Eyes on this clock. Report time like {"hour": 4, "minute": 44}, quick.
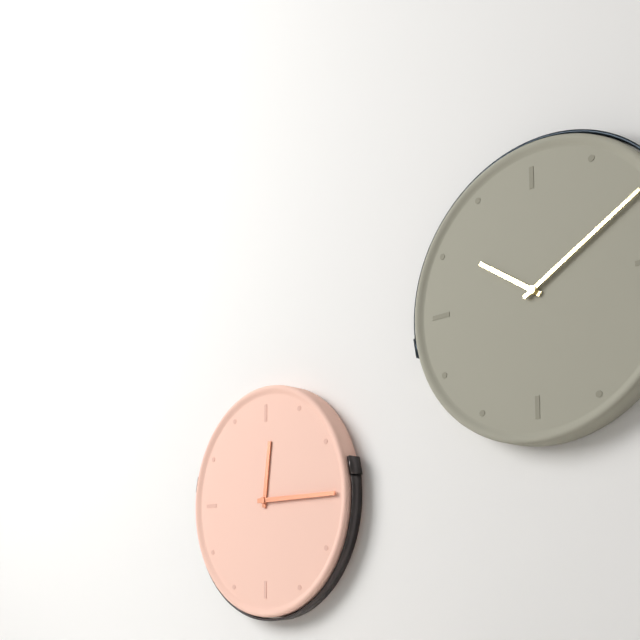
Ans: {"hour": 12, "minute": 15}
